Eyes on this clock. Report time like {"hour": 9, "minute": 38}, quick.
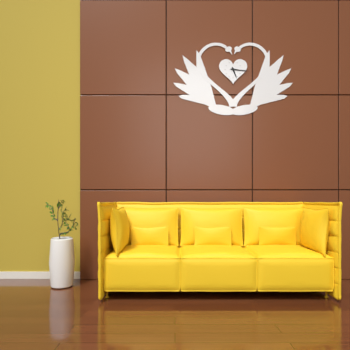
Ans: {"hour": 5, "minute": 16}
